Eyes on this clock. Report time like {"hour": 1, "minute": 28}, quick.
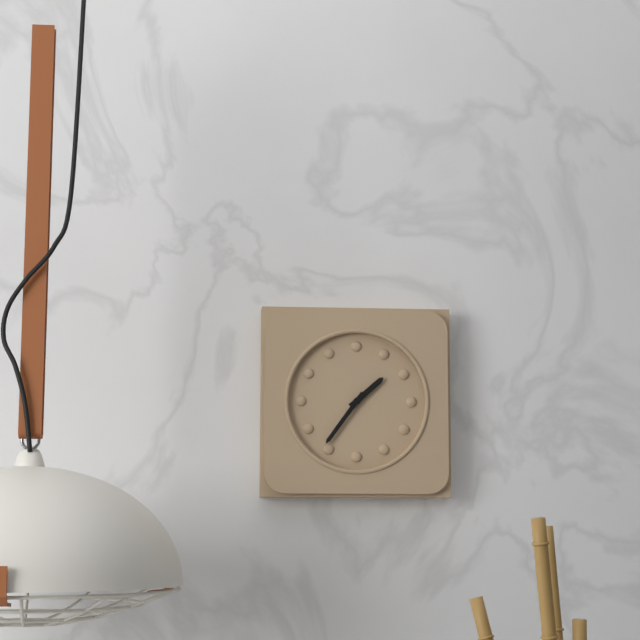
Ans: {"hour": 1, "minute": 36}
